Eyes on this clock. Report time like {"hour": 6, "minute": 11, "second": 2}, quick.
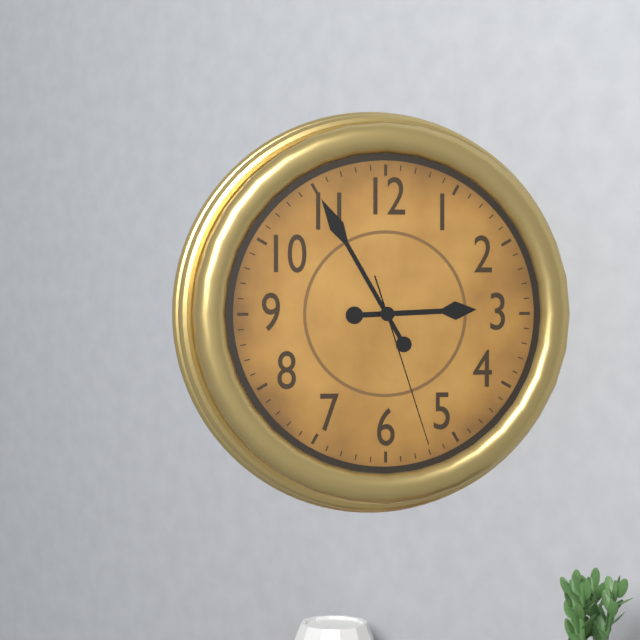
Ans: {"hour": 2, "minute": 55, "second": 27}
